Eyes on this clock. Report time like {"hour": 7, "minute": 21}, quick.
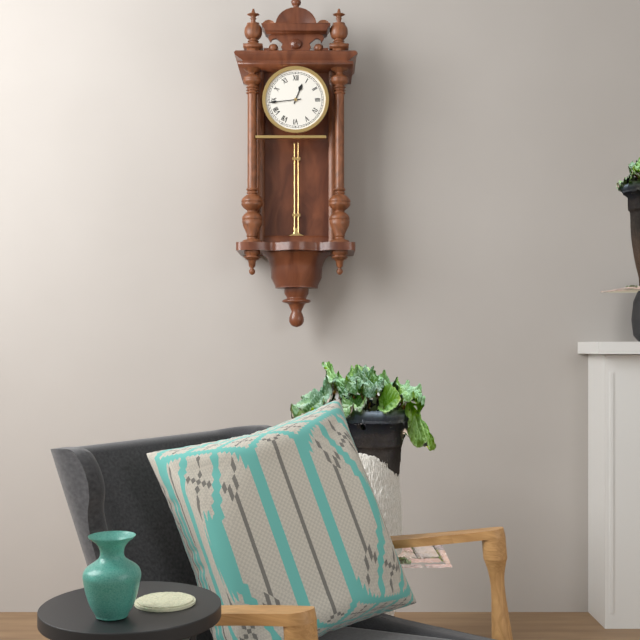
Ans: {"hour": 12, "minute": 44}
